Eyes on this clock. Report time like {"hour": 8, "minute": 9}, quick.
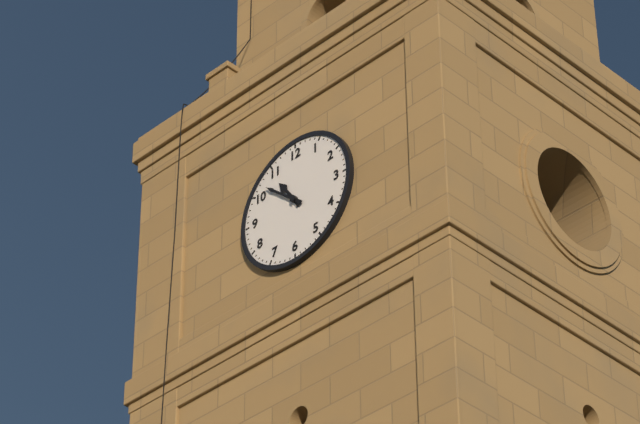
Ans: {"hour": 10, "minute": 52}
